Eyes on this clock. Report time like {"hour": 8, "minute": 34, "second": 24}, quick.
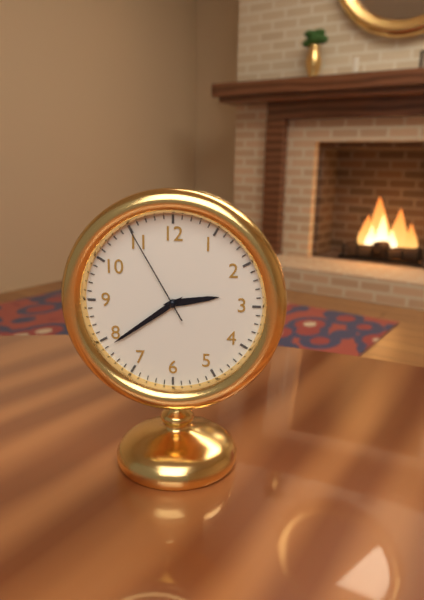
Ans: {"hour": 2, "minute": 39, "second": 55}
